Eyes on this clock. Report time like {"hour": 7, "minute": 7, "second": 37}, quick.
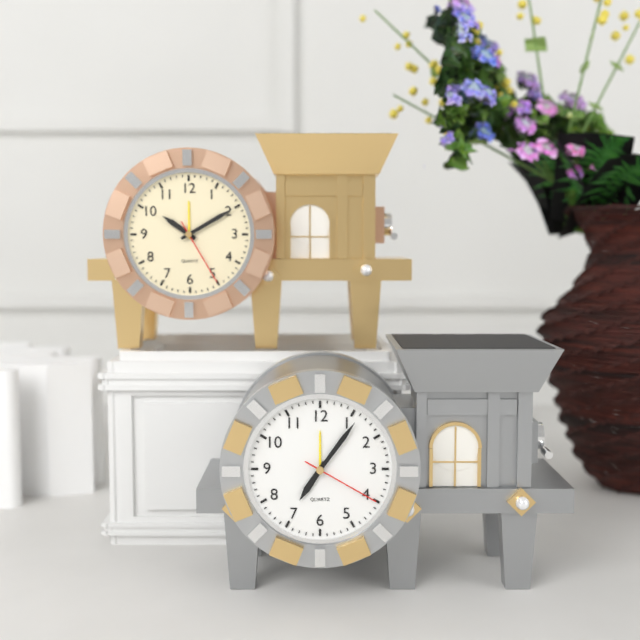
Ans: {"hour": 7, "minute": 6, "second": 20}
